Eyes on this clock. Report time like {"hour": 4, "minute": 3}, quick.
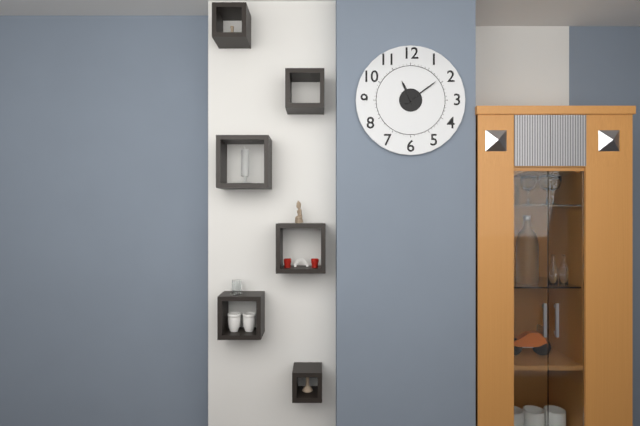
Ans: {"hour": 11, "minute": 9}
